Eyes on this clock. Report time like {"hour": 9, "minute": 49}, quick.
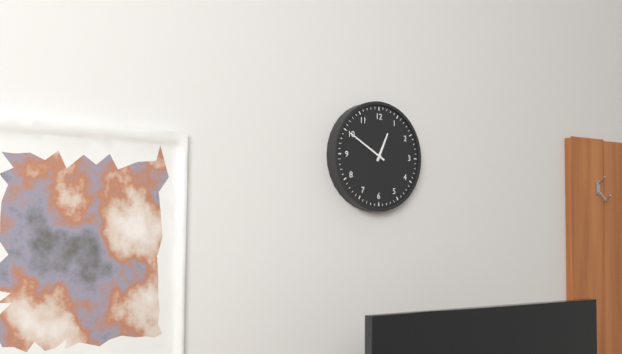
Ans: {"hour": 12, "minute": 50}
